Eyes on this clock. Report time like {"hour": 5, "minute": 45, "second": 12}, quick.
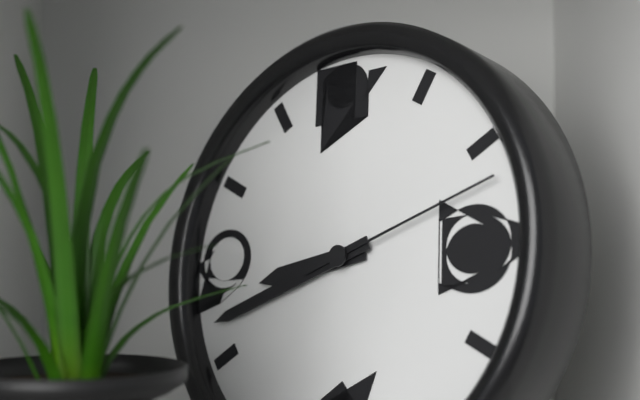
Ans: {"hour": 8, "minute": 42, "second": 12}
